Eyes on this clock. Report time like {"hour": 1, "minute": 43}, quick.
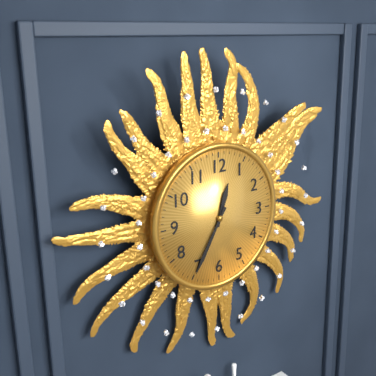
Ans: {"hour": 12, "minute": 35}
